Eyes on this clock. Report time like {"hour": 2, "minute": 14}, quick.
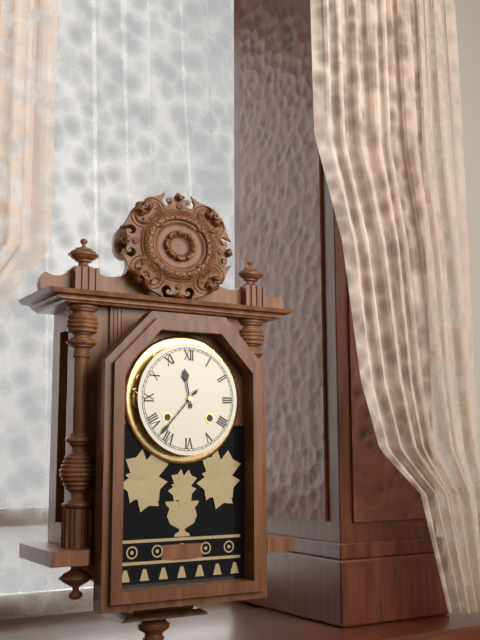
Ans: {"hour": 11, "minute": 37}
